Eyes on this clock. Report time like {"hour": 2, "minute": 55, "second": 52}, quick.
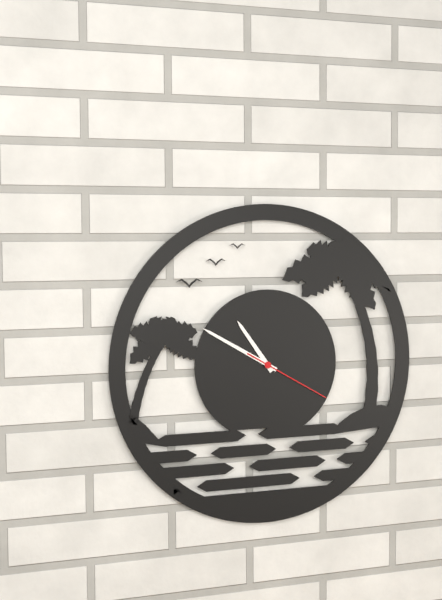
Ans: {"hour": 10, "minute": 50, "second": 20}
